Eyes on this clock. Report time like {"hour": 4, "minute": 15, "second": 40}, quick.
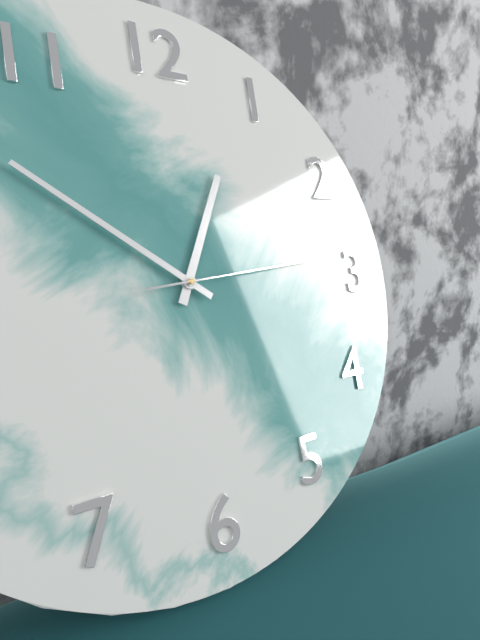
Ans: {"hour": 12, "minute": 51, "second": 14}
